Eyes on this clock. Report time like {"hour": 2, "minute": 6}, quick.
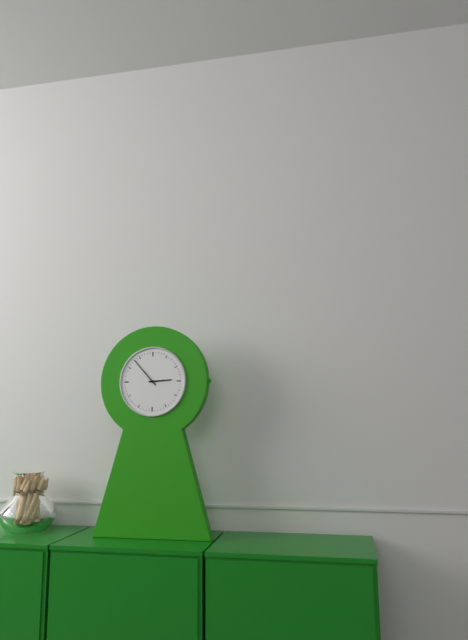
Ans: {"hour": 2, "minute": 53}
